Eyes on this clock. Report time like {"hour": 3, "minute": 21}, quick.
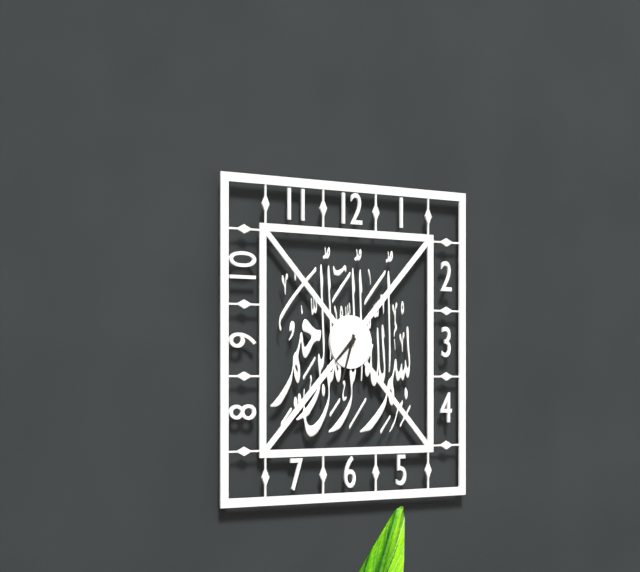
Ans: {"hour": 7, "minute": 33}
